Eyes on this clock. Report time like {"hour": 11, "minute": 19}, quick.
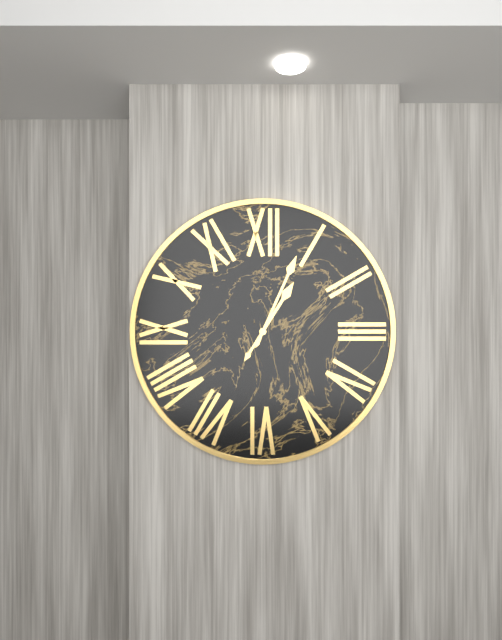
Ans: {"hour": 1, "minute": 4}
